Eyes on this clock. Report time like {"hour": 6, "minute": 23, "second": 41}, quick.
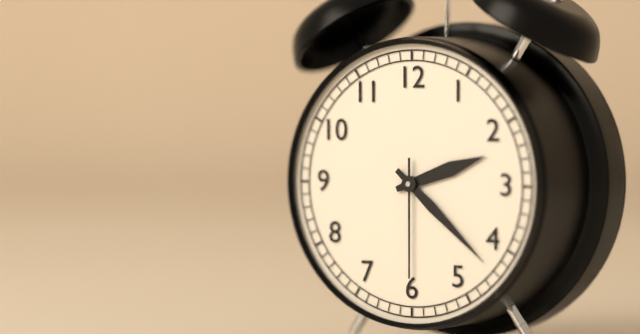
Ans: {"hour": 2, "minute": 22, "second": 30}
